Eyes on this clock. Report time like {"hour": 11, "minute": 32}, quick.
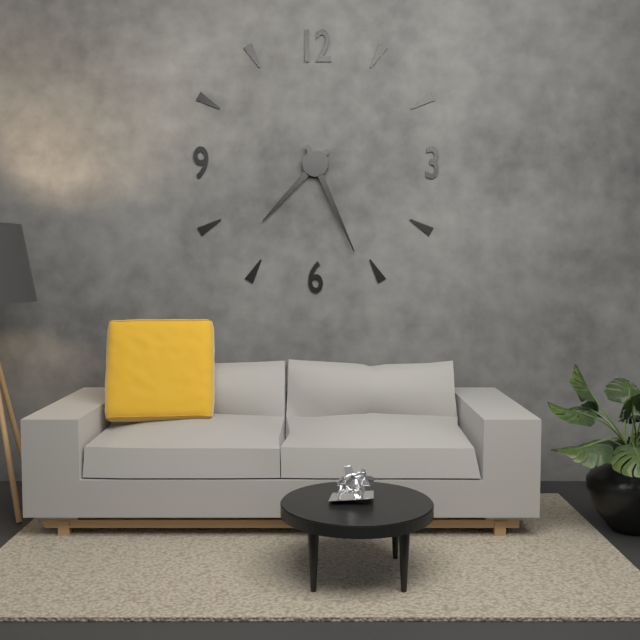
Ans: {"hour": 7, "minute": 26}
